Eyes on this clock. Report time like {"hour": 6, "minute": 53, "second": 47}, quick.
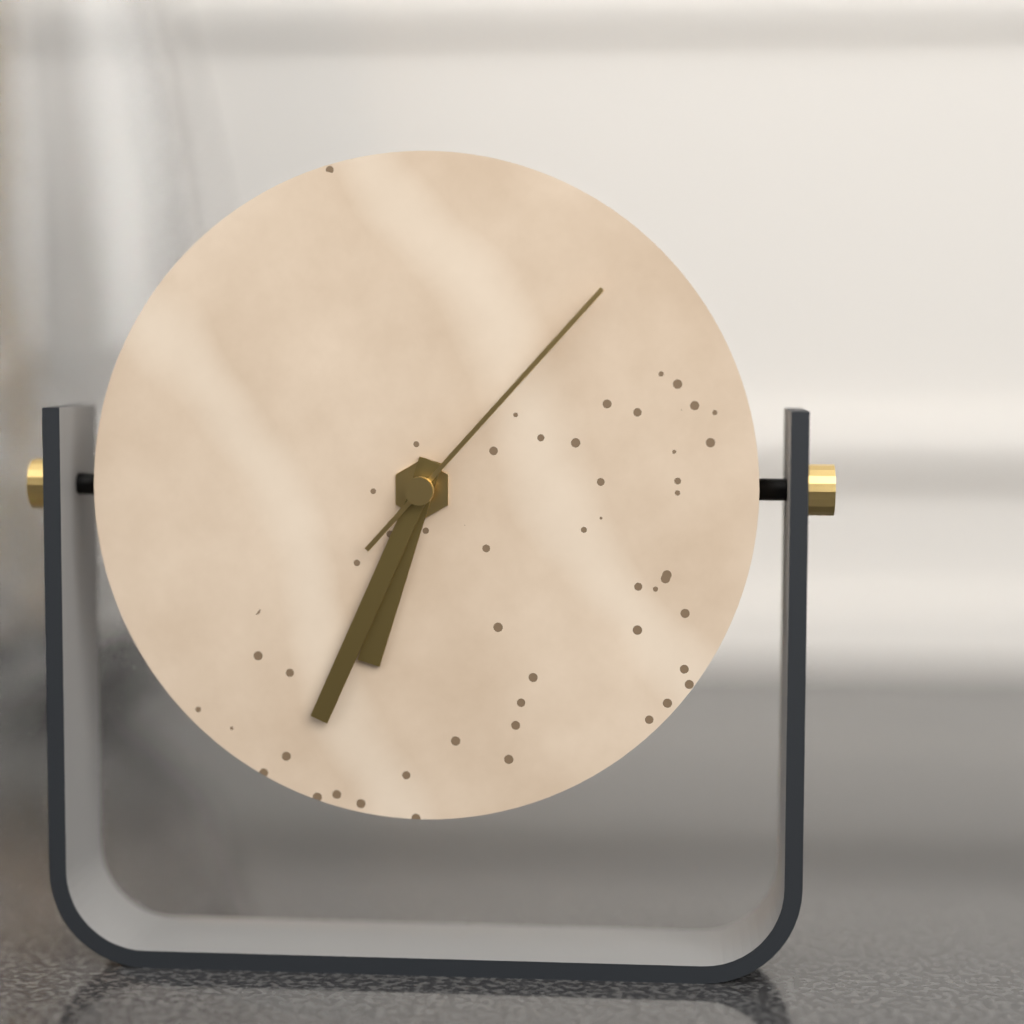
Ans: {"hour": 6, "minute": 34, "second": 7}
